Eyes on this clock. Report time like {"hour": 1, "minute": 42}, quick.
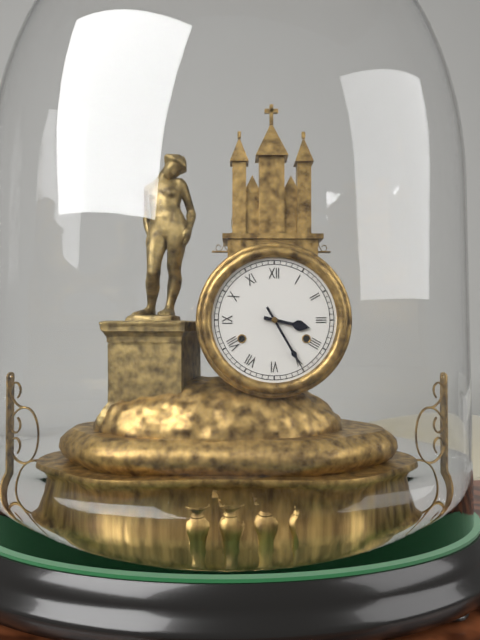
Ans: {"hour": 3, "minute": 25}
